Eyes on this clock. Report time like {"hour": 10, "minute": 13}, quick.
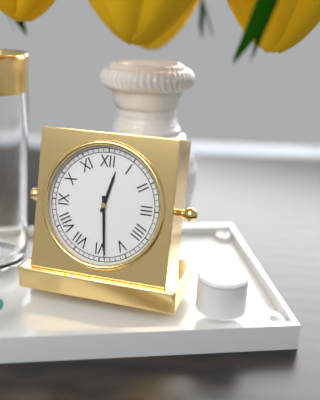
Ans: {"hour": 12, "minute": 29}
